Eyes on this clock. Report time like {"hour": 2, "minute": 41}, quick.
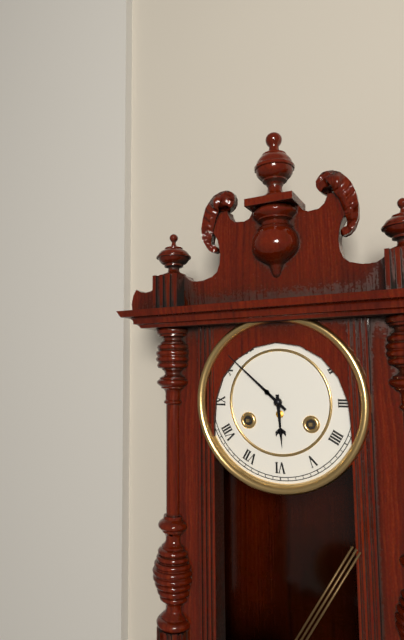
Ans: {"hour": 5, "minute": 52}
